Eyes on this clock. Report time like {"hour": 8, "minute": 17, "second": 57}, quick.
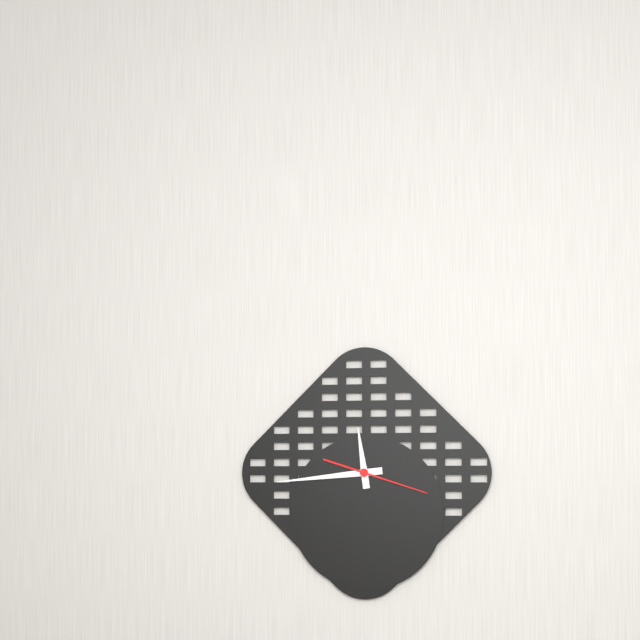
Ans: {"hour": 11, "minute": 44, "second": 18}
